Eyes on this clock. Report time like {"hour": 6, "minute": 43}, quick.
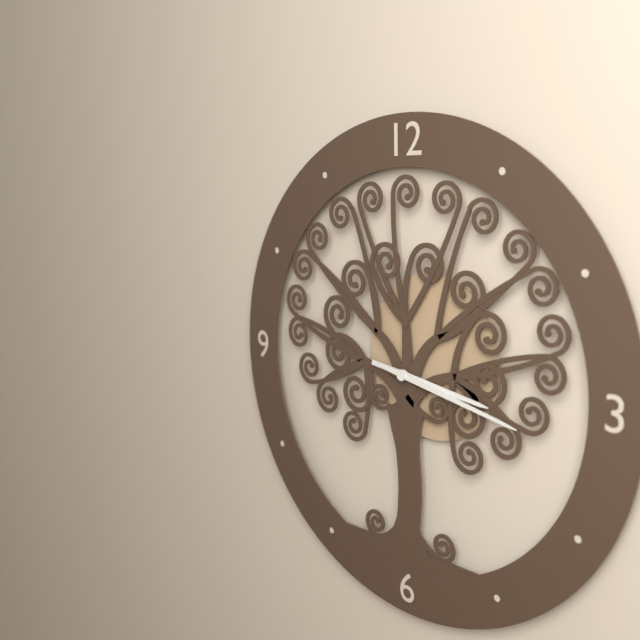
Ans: {"hour": 3, "minute": 17}
